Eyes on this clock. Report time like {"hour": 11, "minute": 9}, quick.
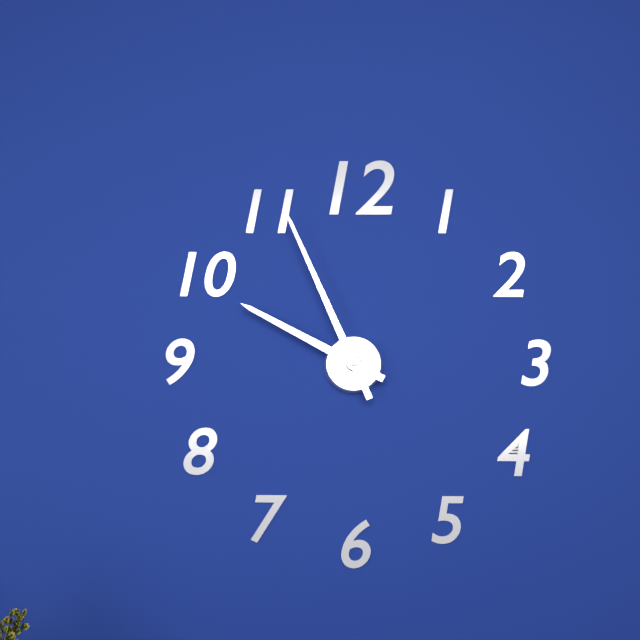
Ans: {"hour": 9, "minute": 56}
